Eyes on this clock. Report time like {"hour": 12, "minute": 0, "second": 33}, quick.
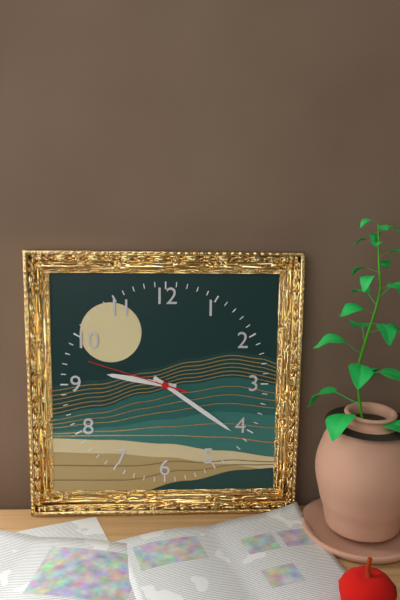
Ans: {"hour": 9, "minute": 21, "second": 48}
